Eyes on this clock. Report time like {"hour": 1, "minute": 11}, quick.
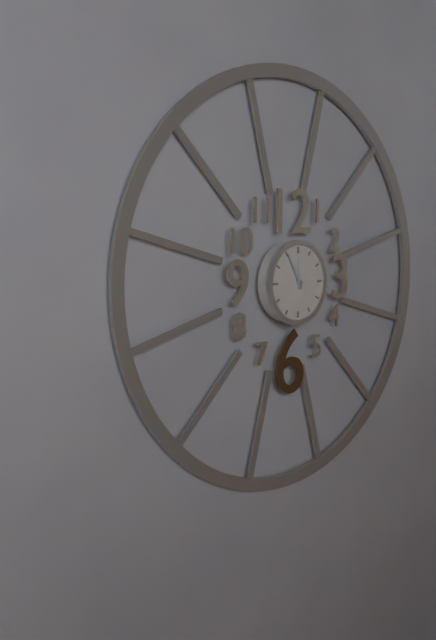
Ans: {"hour": 11, "minute": 55}
